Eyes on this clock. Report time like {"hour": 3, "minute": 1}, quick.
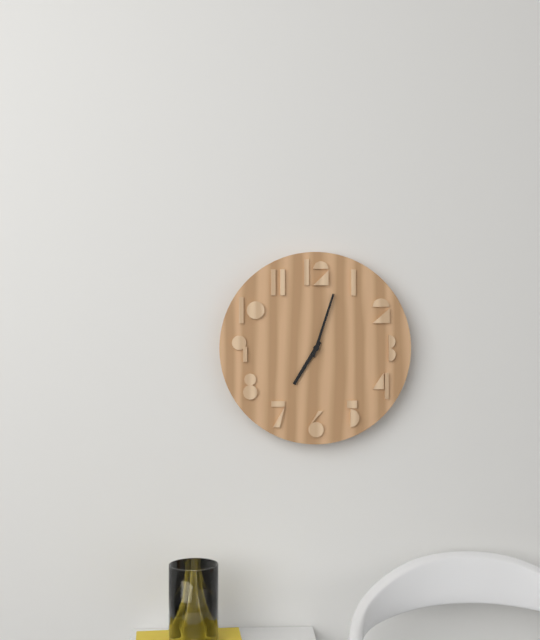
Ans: {"hour": 7, "minute": 3}
